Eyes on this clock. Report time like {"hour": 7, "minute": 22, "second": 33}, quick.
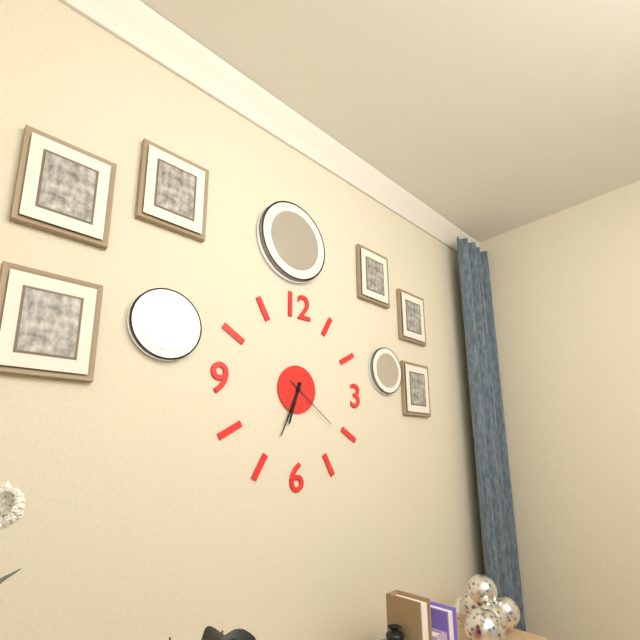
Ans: {"hour": 6, "minute": 34, "second": 21}
